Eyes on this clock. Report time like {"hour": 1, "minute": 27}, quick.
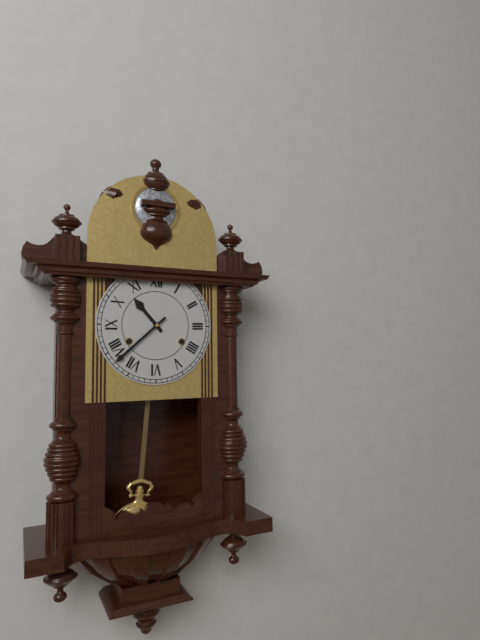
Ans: {"hour": 10, "minute": 38}
